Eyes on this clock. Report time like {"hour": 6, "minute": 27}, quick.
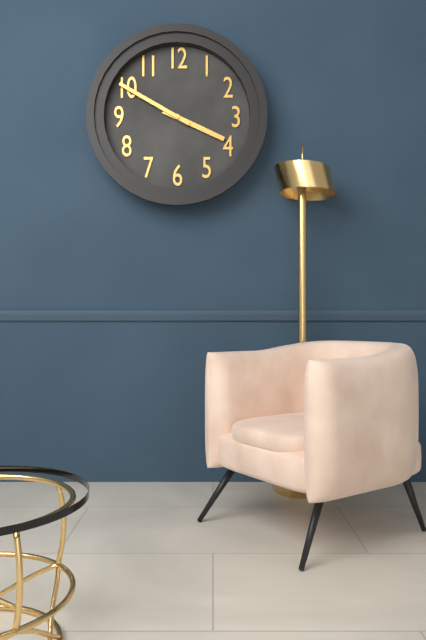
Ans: {"hour": 3, "minute": 50}
